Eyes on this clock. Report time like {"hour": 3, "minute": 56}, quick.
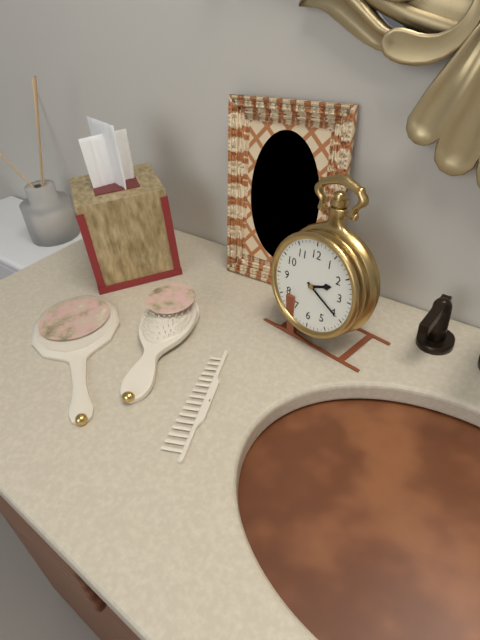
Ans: {"hour": 2, "minute": 20}
